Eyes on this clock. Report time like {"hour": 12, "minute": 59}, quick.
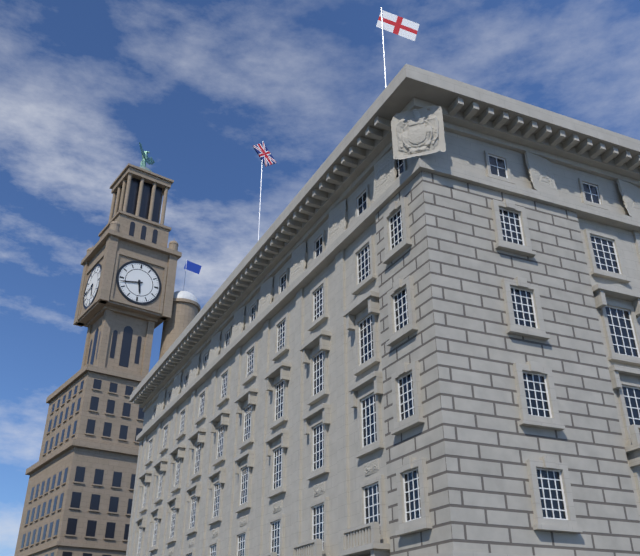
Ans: {"hour": 5, "minute": 43}
